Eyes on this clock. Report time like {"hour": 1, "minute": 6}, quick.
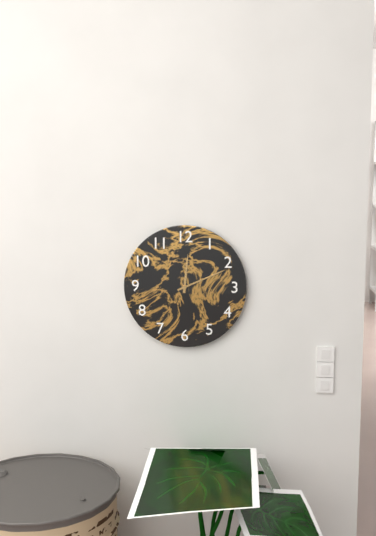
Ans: {"hour": 12, "minute": 11}
